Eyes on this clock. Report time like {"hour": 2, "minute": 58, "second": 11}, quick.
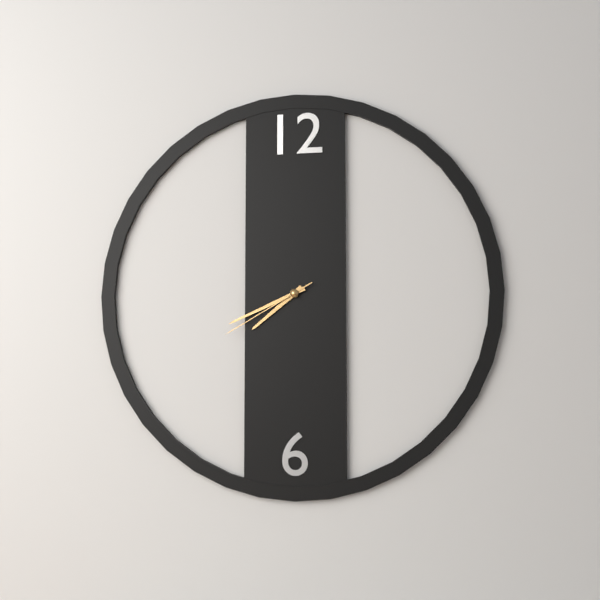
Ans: {"hour": 7, "minute": 41, "second": 40}
